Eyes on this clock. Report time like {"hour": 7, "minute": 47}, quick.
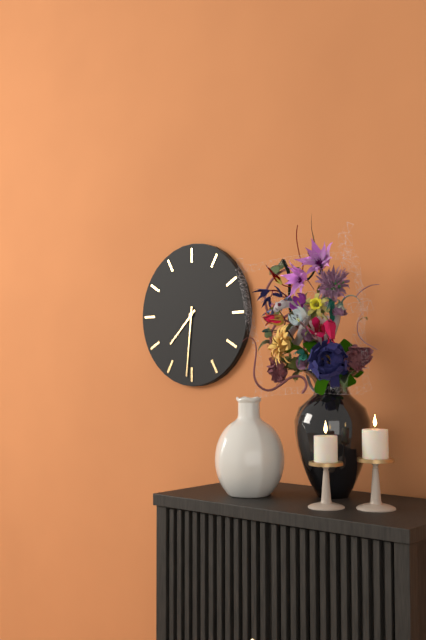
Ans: {"hour": 7, "minute": 31}
